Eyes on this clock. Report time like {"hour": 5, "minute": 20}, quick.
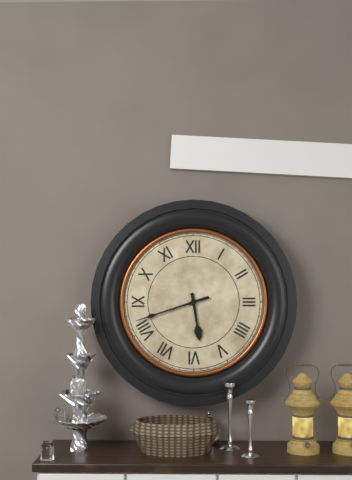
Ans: {"hour": 5, "minute": 42}
